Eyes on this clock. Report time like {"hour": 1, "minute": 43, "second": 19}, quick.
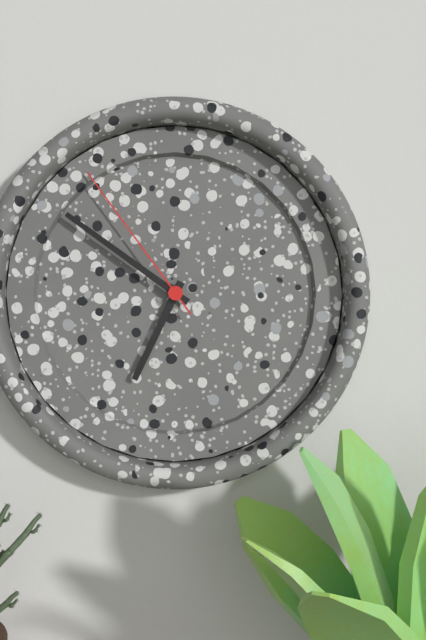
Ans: {"hour": 6, "minute": 51, "second": 54}
